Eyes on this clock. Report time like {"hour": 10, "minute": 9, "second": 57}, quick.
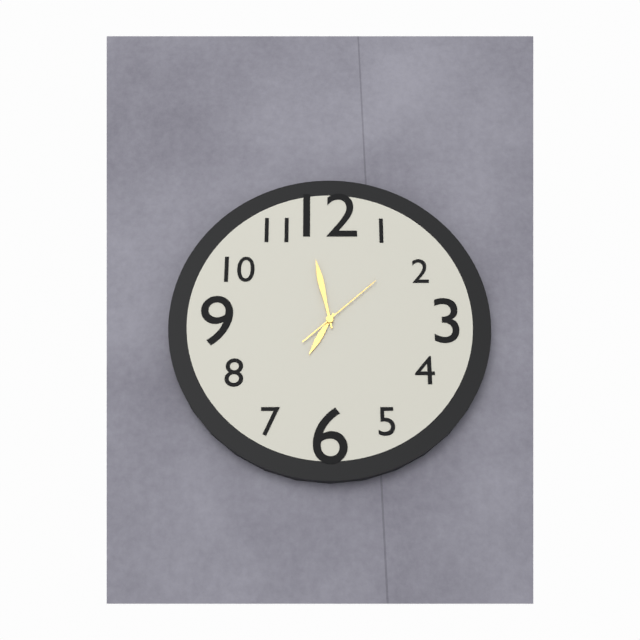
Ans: {"hour": 6, "minute": 58, "second": 8}
